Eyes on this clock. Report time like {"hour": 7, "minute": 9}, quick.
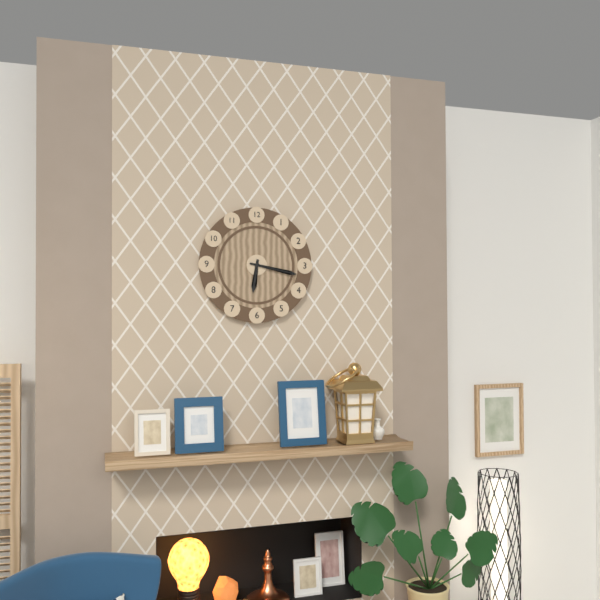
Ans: {"hour": 6, "minute": 17}
